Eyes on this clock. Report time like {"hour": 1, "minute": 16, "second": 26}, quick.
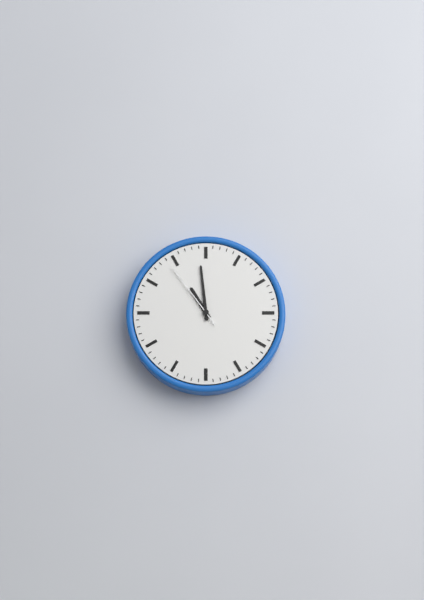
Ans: {"hour": 10, "minute": 59, "second": 54}
